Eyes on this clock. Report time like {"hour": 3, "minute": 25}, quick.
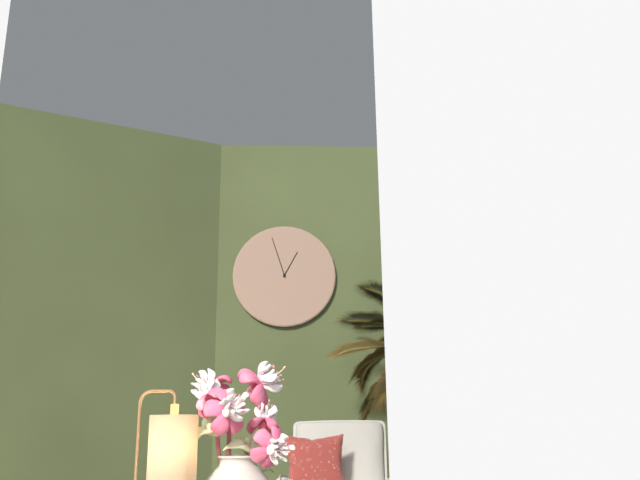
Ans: {"hour": 12, "minute": 57}
